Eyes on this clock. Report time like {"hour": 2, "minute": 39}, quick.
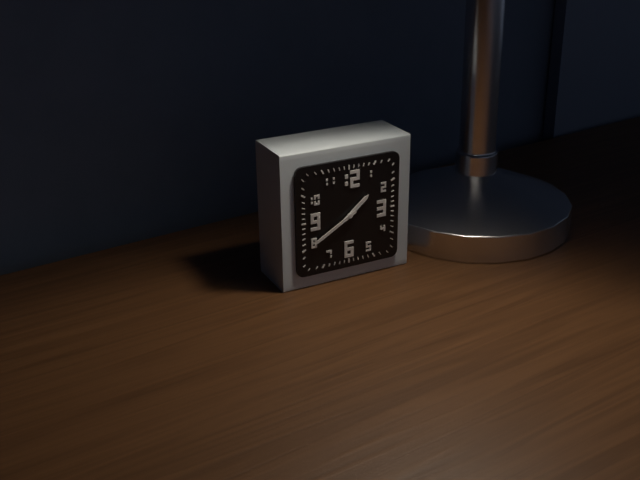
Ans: {"hour": 1, "minute": 40}
